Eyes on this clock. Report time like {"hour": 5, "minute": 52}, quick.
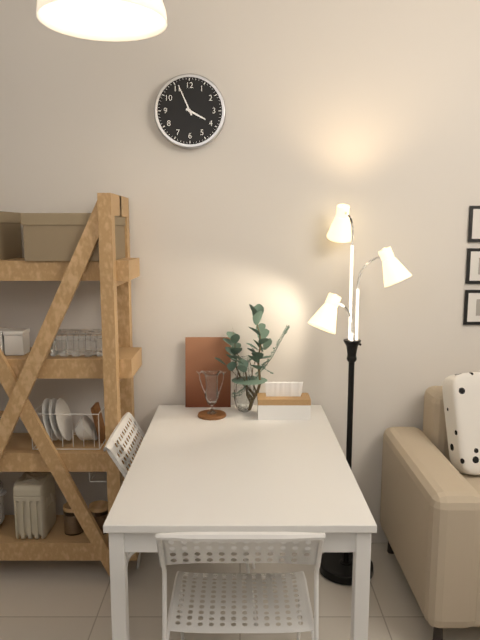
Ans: {"hour": 3, "minute": 56}
